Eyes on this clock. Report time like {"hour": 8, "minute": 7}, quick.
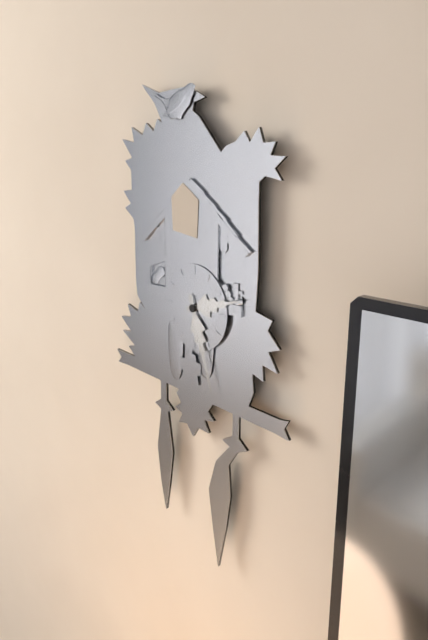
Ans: {"hour": 2, "minute": 27}
